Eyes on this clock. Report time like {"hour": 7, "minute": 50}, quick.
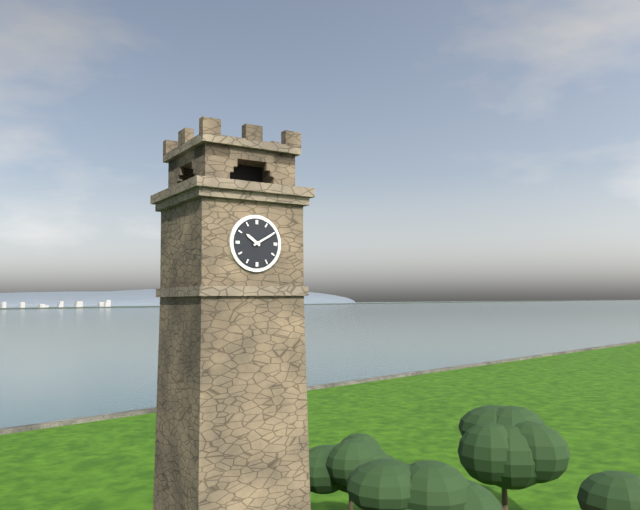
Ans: {"hour": 10, "minute": 10}
